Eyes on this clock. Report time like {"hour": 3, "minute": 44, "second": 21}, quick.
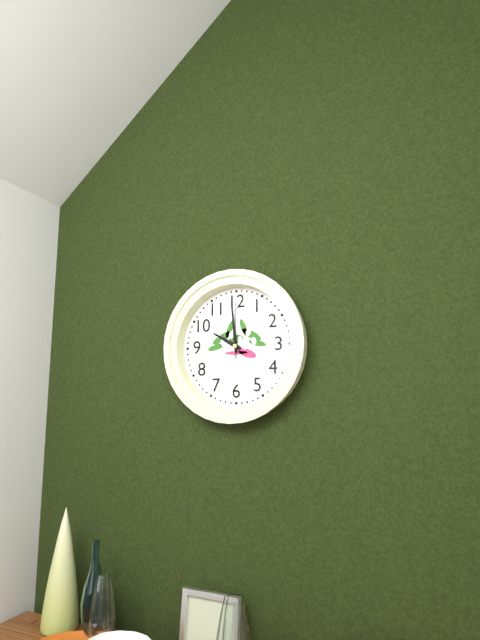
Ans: {"hour": 9, "minute": 59, "second": 0}
